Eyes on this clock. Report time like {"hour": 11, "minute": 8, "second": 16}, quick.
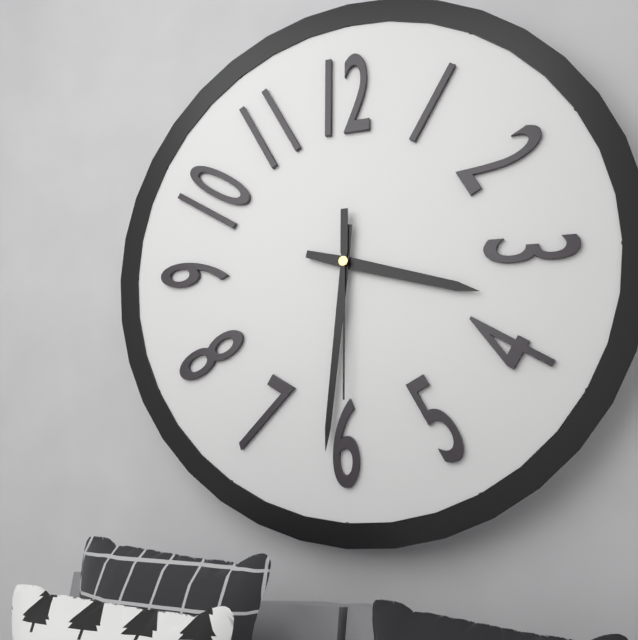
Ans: {"hour": 3, "minute": 31, "second": 30}
